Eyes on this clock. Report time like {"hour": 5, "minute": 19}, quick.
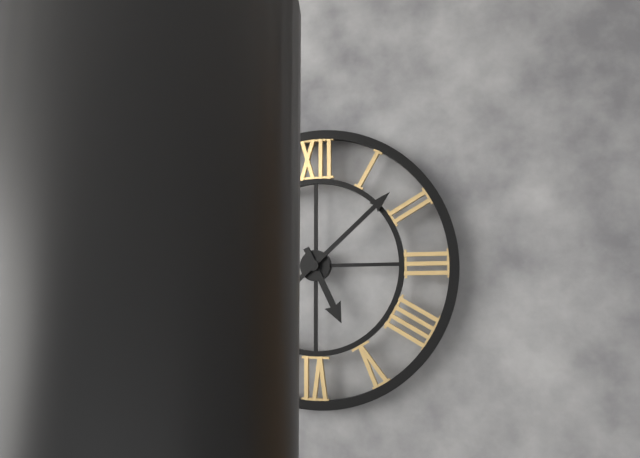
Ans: {"hour": 5, "minute": 8}
